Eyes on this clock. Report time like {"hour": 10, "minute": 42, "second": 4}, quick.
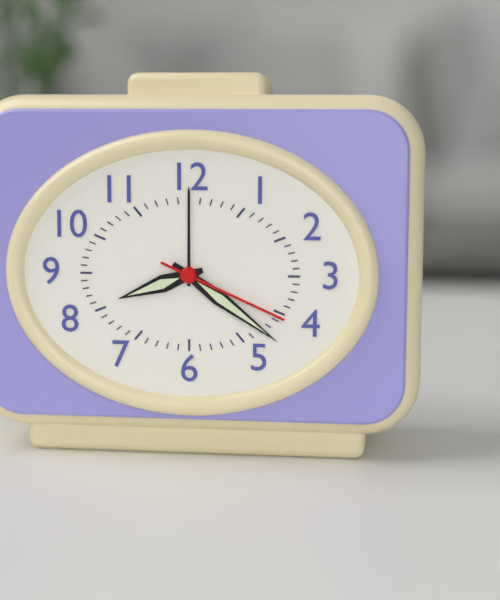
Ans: {"hour": 8, "minute": 21, "second": 19}
